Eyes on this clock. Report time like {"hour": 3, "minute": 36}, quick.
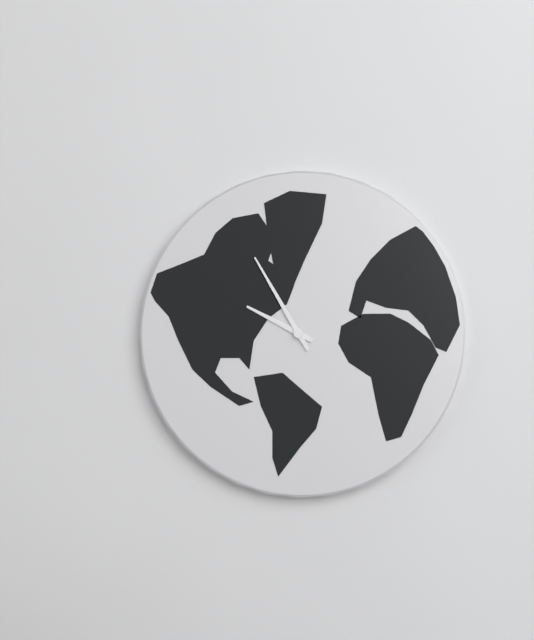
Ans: {"hour": 9, "minute": 55}
